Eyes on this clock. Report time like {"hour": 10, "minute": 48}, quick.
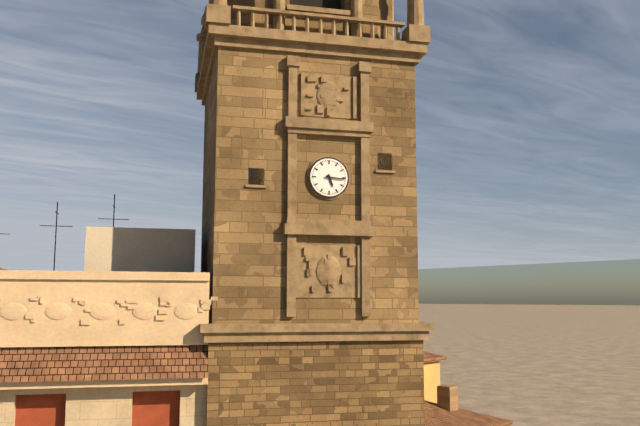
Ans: {"hour": 5, "minute": 16}
